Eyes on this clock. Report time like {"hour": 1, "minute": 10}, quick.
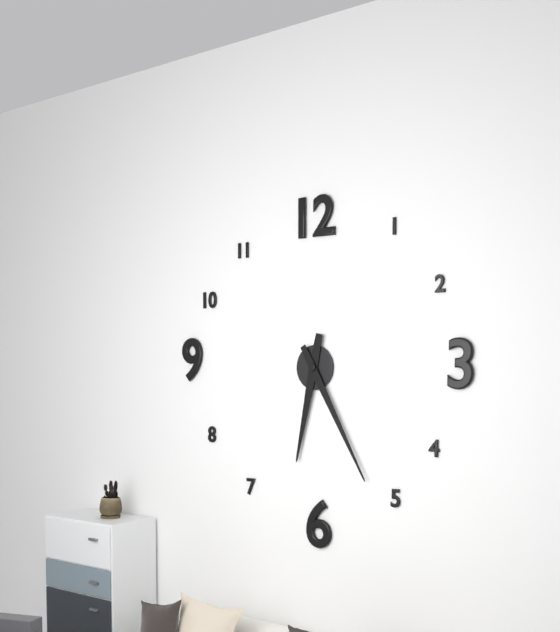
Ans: {"hour": 6, "minute": 25}
